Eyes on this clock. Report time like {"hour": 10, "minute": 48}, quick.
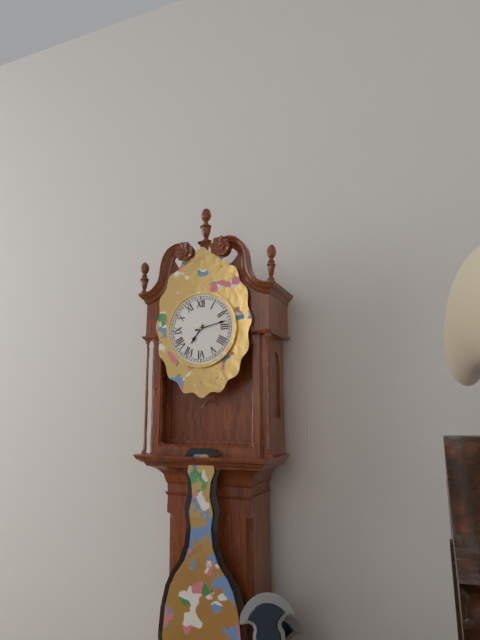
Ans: {"hour": 7, "minute": 13}
